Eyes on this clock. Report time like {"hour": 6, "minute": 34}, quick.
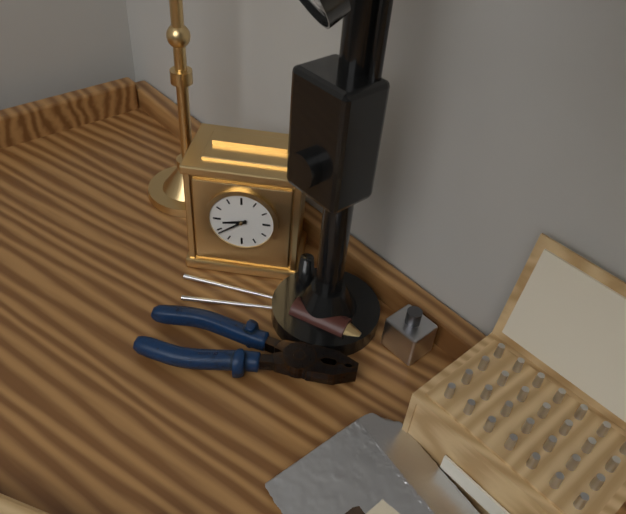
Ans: {"hour": 8, "minute": 39}
